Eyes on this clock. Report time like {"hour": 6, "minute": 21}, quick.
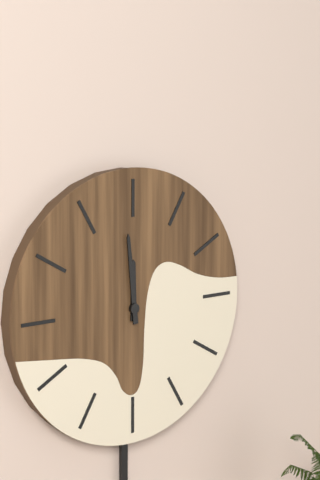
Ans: {"hour": 11, "minute": 59}
